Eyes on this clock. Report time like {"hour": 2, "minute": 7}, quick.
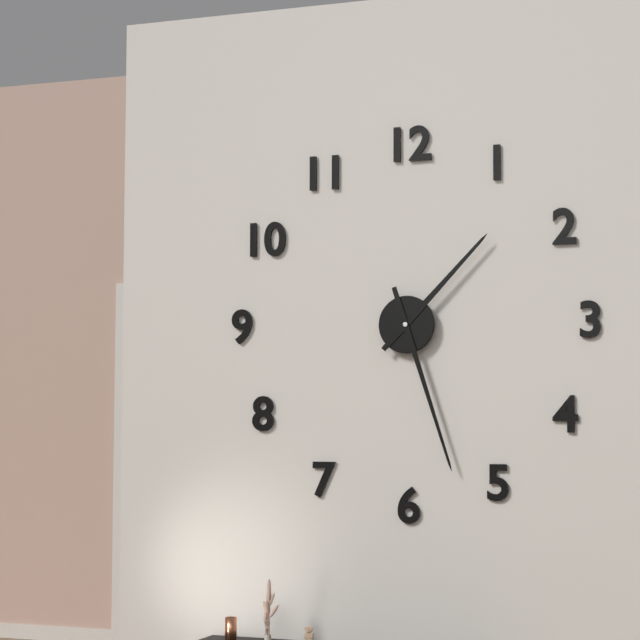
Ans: {"hour": 1, "minute": 27}
